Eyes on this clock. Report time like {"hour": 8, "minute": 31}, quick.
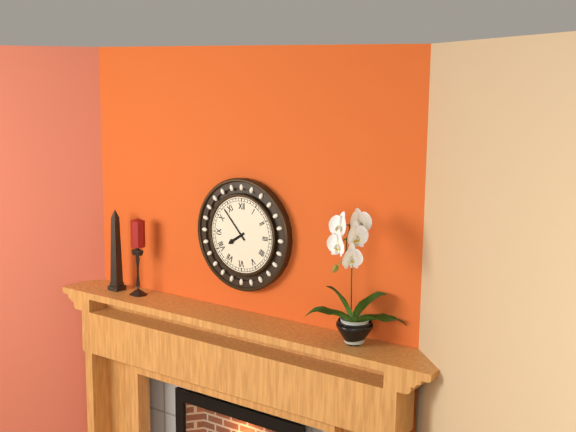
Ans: {"hour": 7, "minute": 53}
